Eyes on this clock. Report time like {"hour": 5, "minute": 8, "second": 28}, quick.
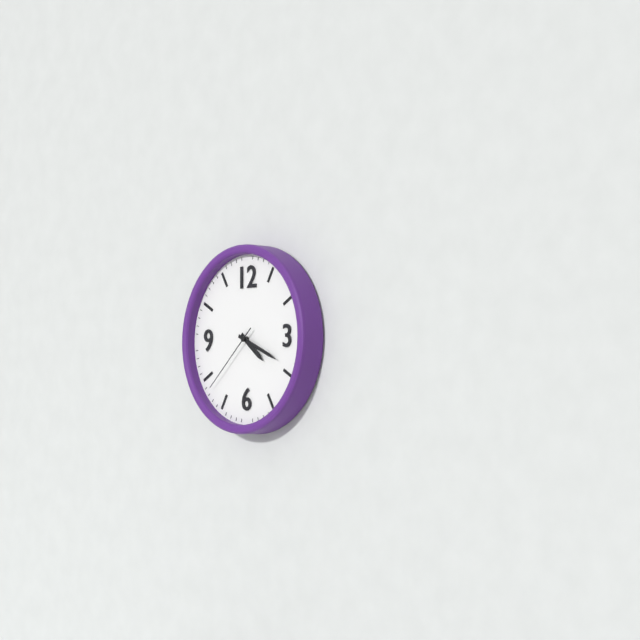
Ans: {"hour": 4, "minute": 19, "second": 38}
